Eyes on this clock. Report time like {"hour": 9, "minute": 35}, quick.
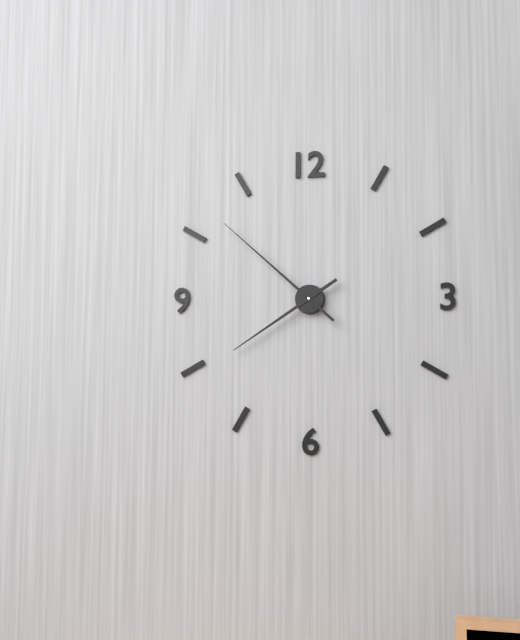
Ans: {"hour": 7, "minute": 52}
